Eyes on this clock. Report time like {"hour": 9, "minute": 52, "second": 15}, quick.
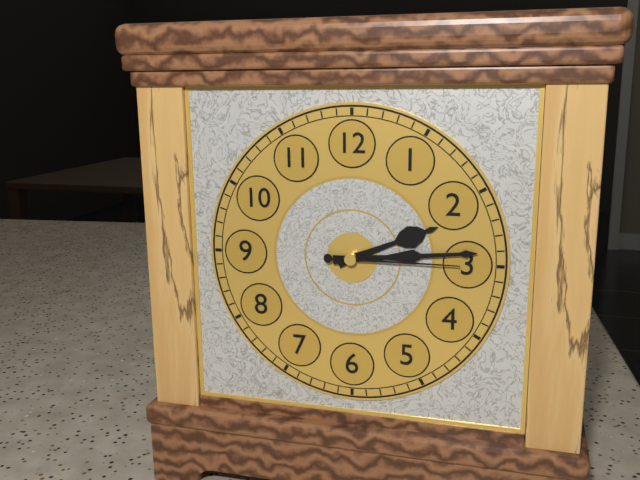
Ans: {"hour": 2, "minute": 14, "second": 15}
